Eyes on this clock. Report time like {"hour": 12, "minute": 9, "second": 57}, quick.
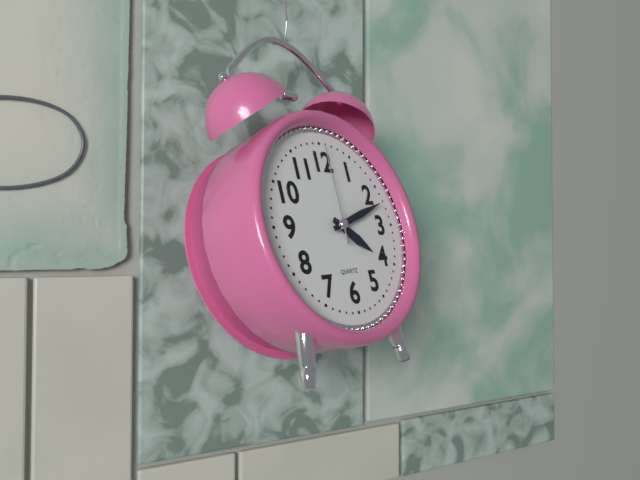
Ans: {"hour": 4, "minute": 12, "second": 0}
